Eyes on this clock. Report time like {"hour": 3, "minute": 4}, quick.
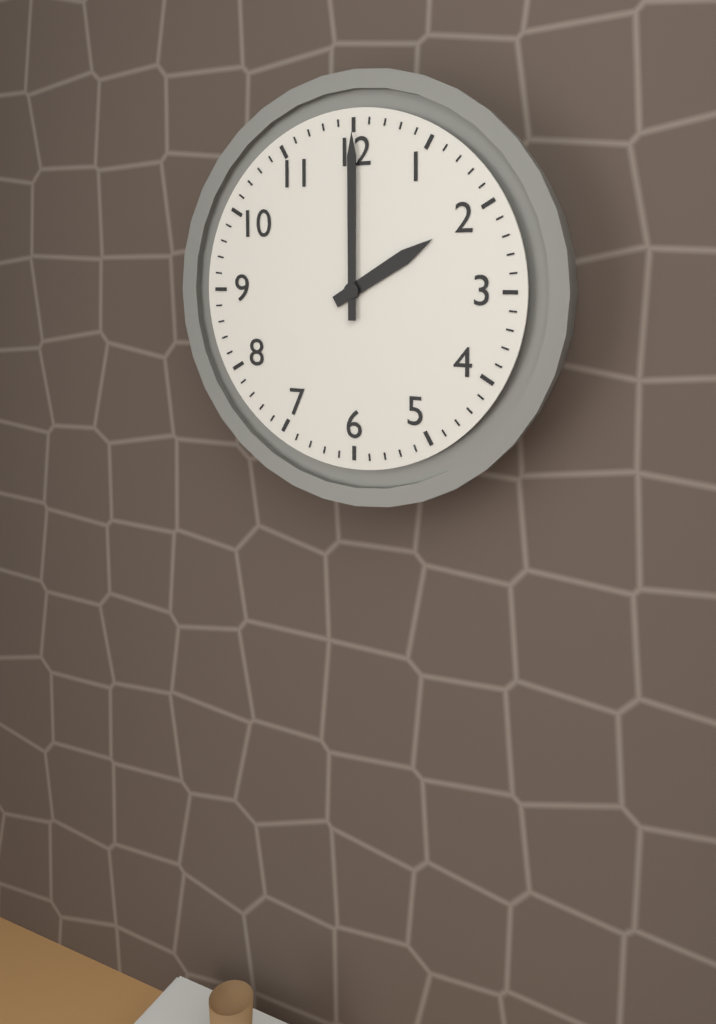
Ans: {"hour": 2, "minute": 0}
